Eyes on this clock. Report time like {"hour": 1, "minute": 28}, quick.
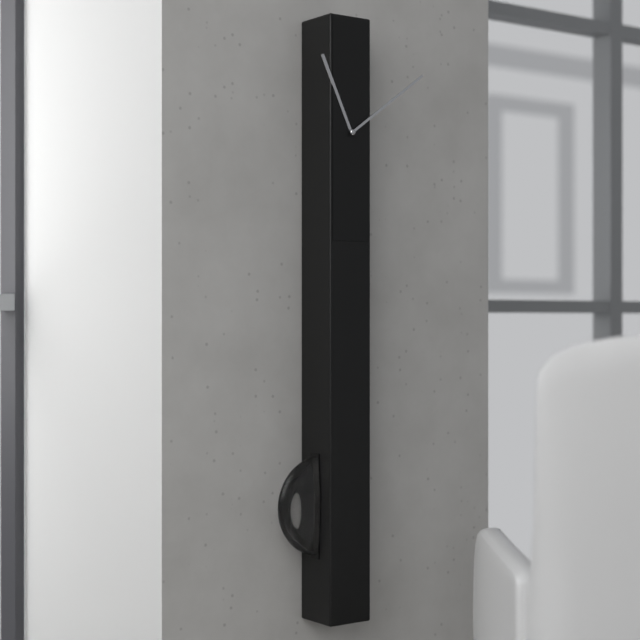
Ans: {"hour": 11, "minute": 9}
